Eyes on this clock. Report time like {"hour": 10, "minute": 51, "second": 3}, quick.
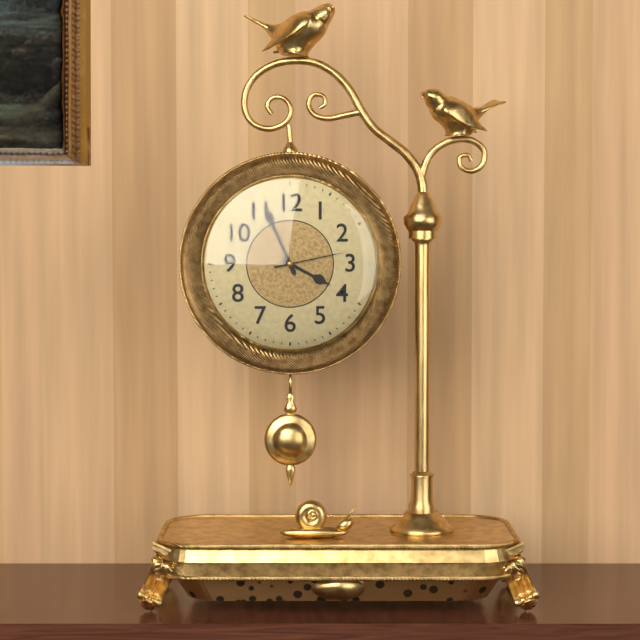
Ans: {"hour": 3, "minute": 56, "second": 13}
